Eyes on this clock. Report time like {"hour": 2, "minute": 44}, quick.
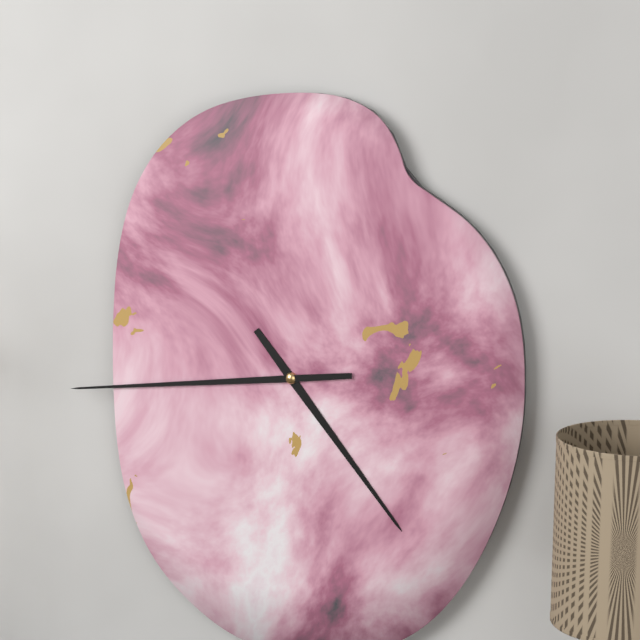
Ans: {"hour": 4, "minute": 44}
